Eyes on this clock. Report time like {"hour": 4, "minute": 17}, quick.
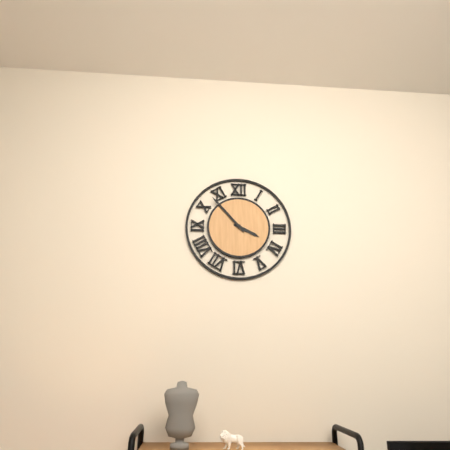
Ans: {"hour": 3, "minute": 53}
